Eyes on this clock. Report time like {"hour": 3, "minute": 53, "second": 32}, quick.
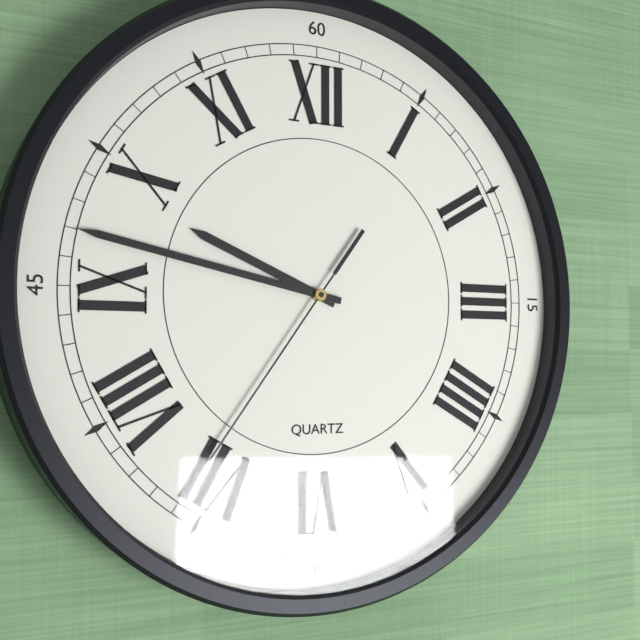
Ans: {"hour": 9, "minute": 47, "second": 36}
